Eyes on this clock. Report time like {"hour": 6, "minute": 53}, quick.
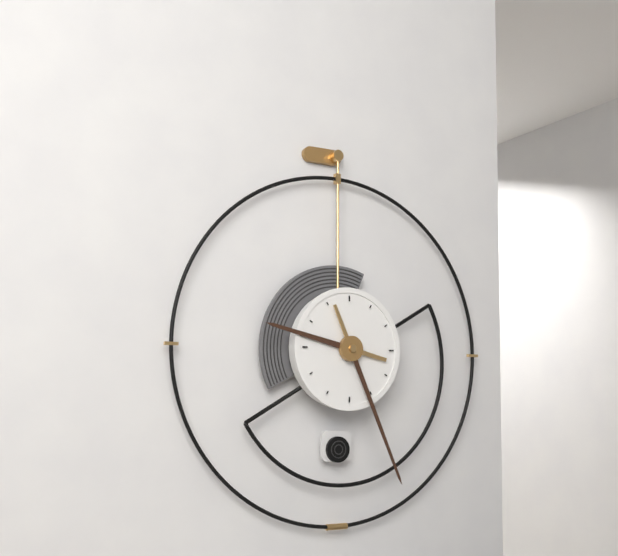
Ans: {"hour": 9, "minute": 26}
